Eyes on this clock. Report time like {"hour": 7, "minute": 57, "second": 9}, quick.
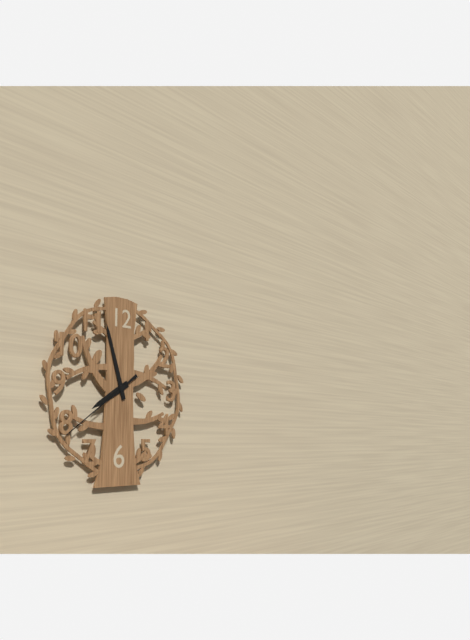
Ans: {"hour": 7, "minute": 57, "second": 39}
